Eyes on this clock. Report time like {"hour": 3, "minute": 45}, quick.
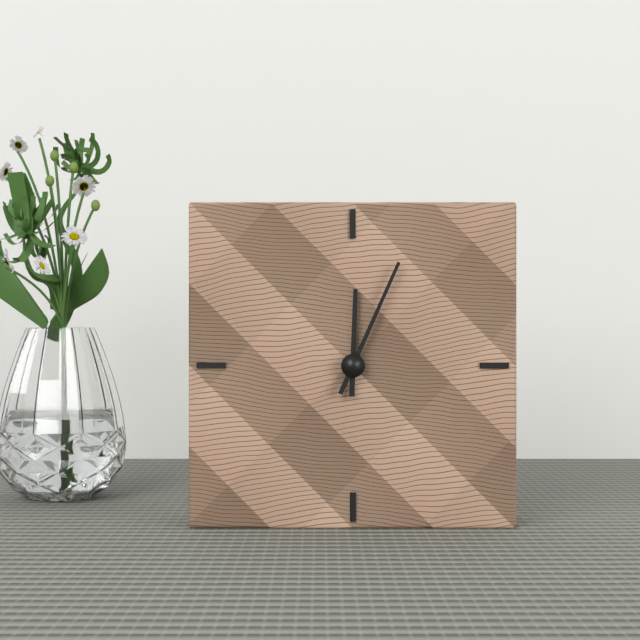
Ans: {"hour": 12, "minute": 4}
